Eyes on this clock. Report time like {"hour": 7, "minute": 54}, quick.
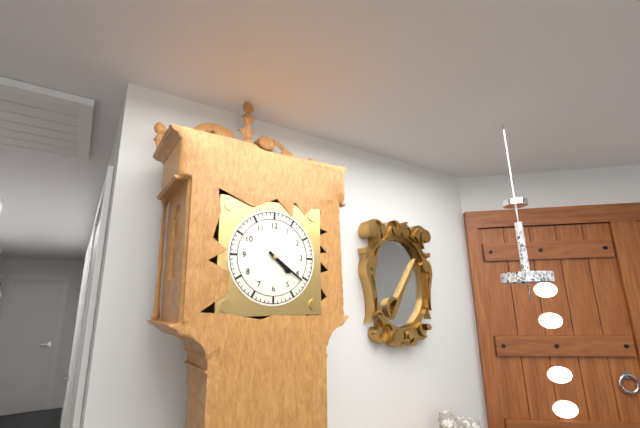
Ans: {"hour": 4, "minute": 21}
